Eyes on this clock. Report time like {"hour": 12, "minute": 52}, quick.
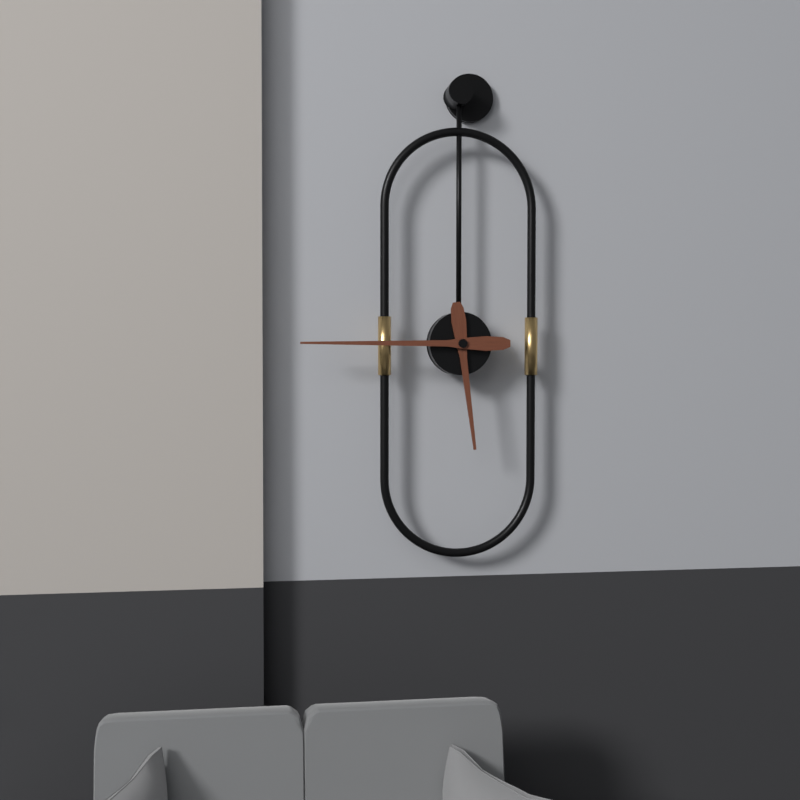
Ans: {"hour": 5, "minute": 45}
